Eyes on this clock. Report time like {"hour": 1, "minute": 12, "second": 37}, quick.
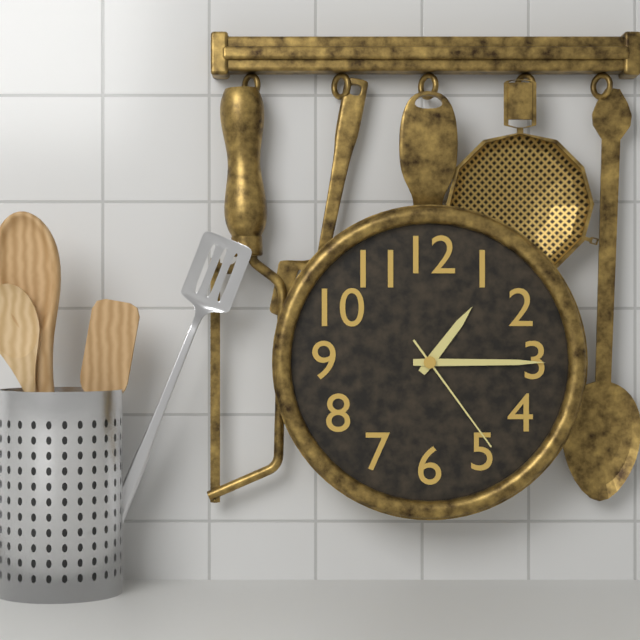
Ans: {"hour": 1, "minute": 15, "second": 24}
